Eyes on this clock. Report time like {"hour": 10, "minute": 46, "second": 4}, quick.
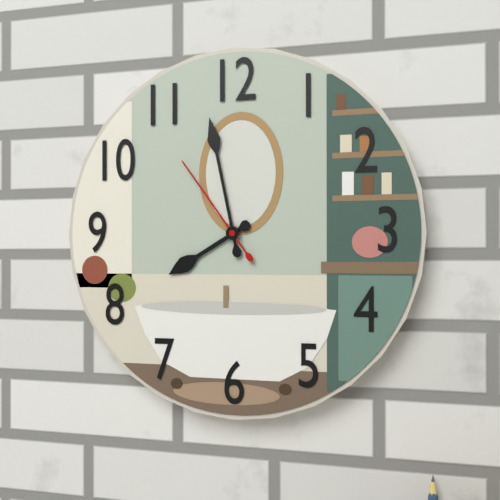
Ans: {"hour": 7, "minute": 58, "second": 54}
